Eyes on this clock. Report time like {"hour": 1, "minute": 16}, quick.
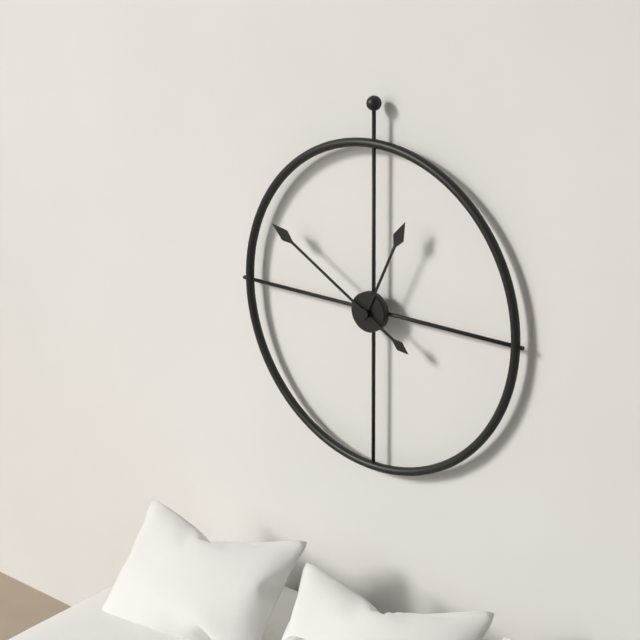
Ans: {"hour": 12, "minute": 50}
